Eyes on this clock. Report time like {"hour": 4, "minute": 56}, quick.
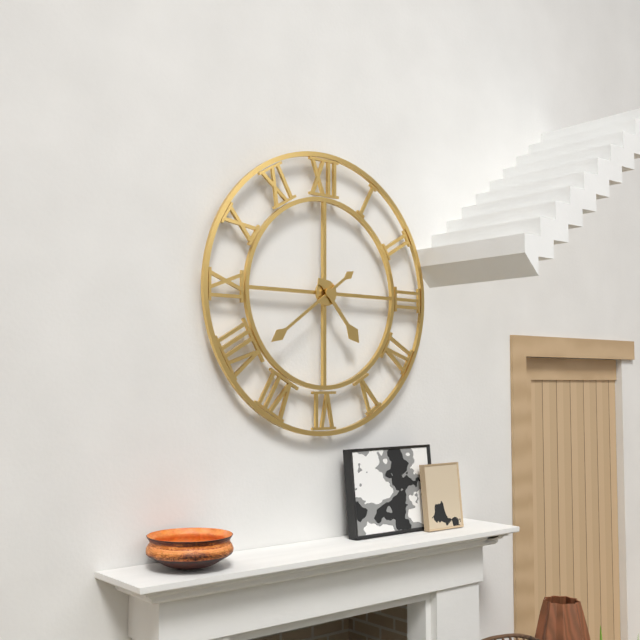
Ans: {"hour": 4, "minute": 39}
